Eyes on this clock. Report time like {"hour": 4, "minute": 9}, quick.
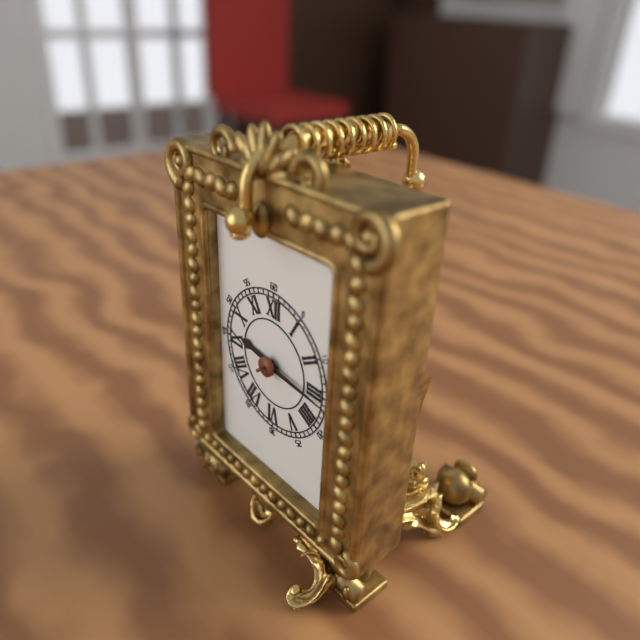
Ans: {"hour": 9, "minute": 16}
